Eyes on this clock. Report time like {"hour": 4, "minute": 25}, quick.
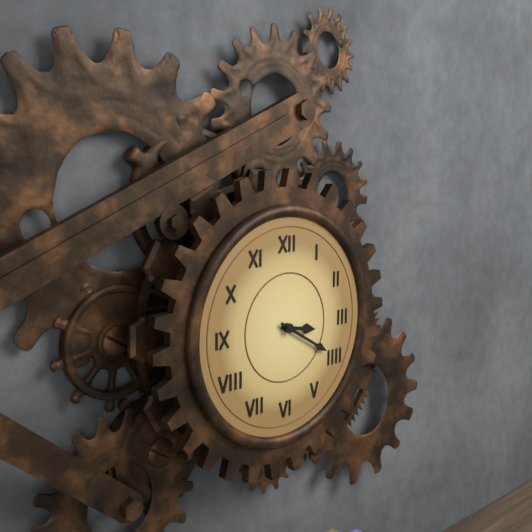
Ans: {"hour": 3, "minute": 20}
